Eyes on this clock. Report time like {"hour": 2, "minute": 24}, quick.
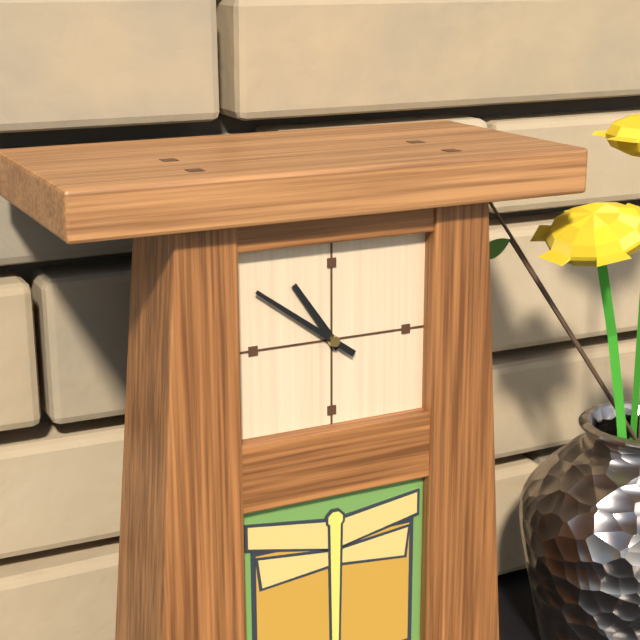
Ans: {"hour": 10, "minute": 51}
